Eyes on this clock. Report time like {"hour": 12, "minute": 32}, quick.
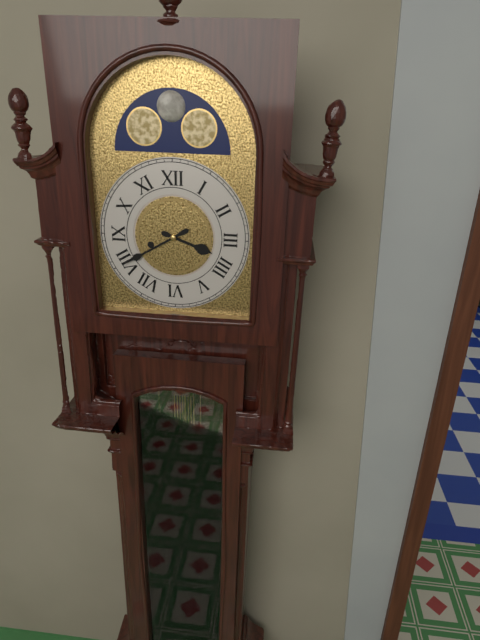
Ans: {"hour": 3, "minute": 40}
